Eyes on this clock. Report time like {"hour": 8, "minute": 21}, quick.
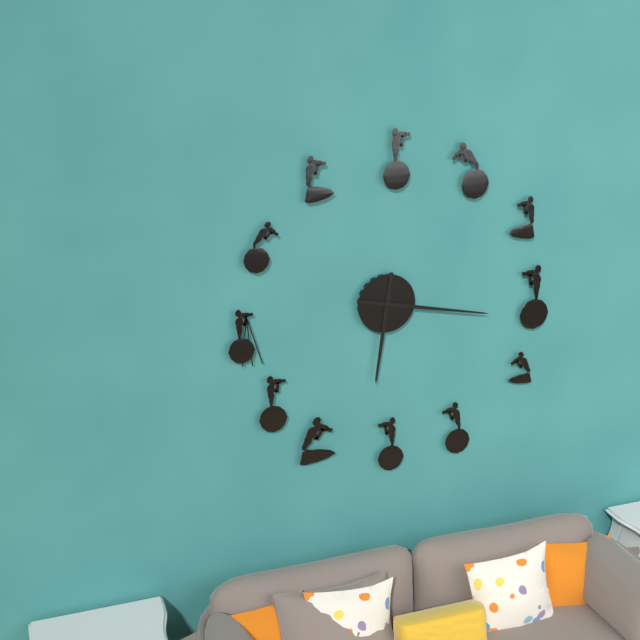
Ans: {"hour": 6, "minute": 17}
